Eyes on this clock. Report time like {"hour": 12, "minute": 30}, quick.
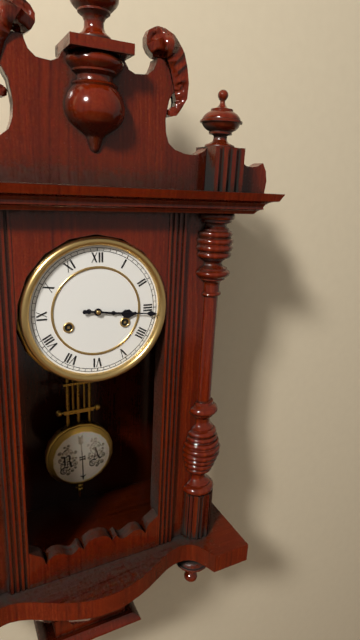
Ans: {"hour": 3, "minute": 16}
